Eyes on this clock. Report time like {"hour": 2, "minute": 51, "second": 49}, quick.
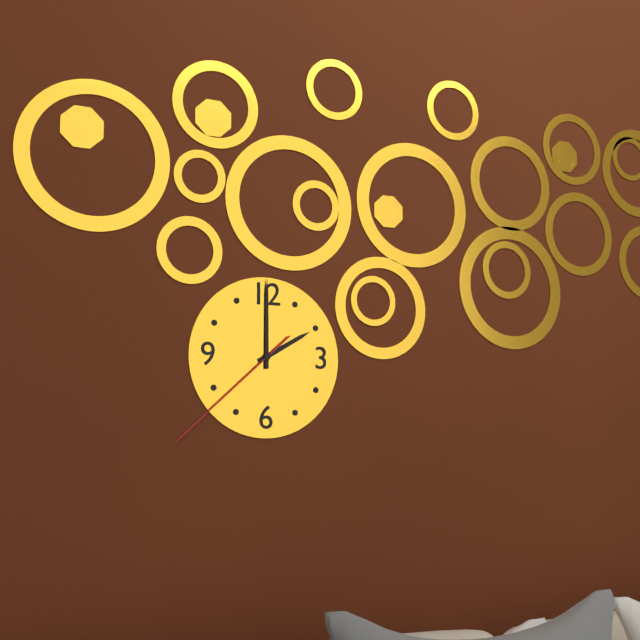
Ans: {"hour": 2, "minute": 0, "second": 38}
